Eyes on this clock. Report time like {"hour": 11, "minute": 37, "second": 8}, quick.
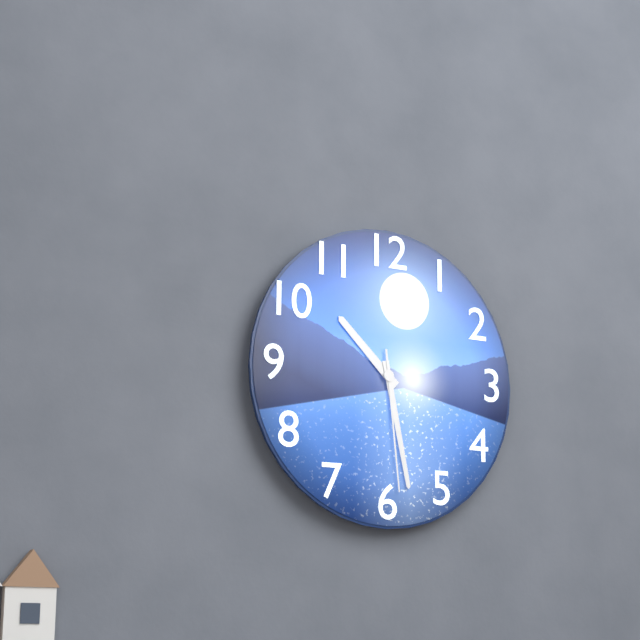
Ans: {"hour": 10, "minute": 28, "second": 29}
